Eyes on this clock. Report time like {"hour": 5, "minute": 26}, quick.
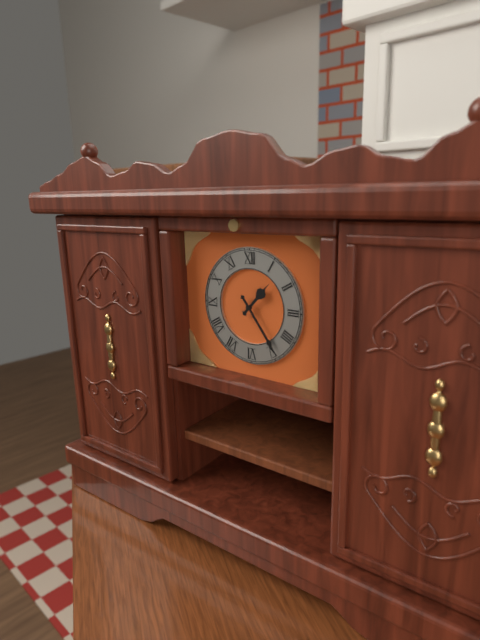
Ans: {"hour": 1, "minute": 24}
